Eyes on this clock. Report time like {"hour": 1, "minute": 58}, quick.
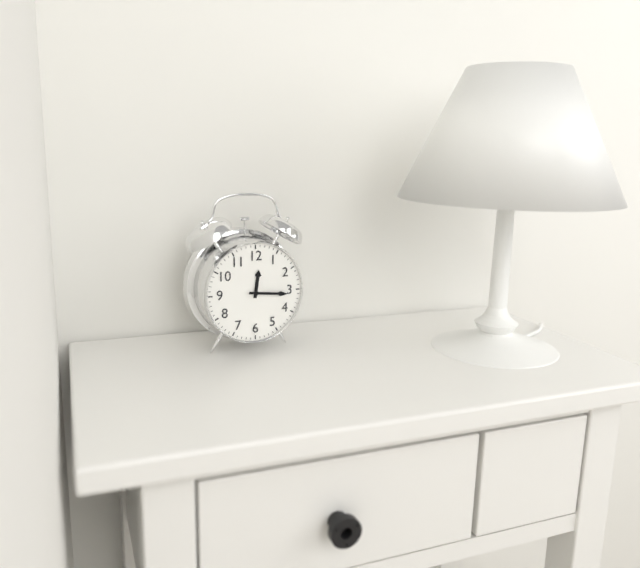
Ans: {"hour": 12, "minute": 16}
